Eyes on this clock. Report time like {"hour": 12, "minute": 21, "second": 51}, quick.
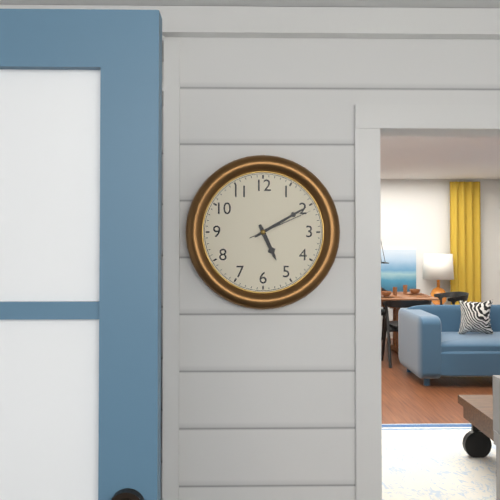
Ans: {"hour": 5, "minute": 10, "second": 11}
